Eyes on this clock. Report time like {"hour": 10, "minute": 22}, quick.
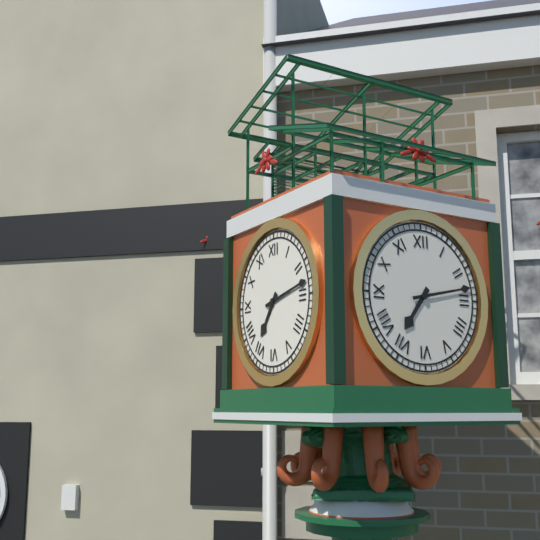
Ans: {"hour": 7, "minute": 13}
